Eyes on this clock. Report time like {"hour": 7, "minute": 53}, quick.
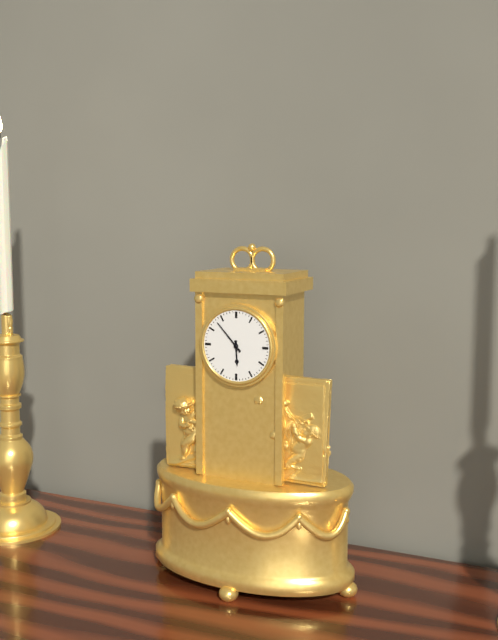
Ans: {"hour": 5, "minute": 53}
